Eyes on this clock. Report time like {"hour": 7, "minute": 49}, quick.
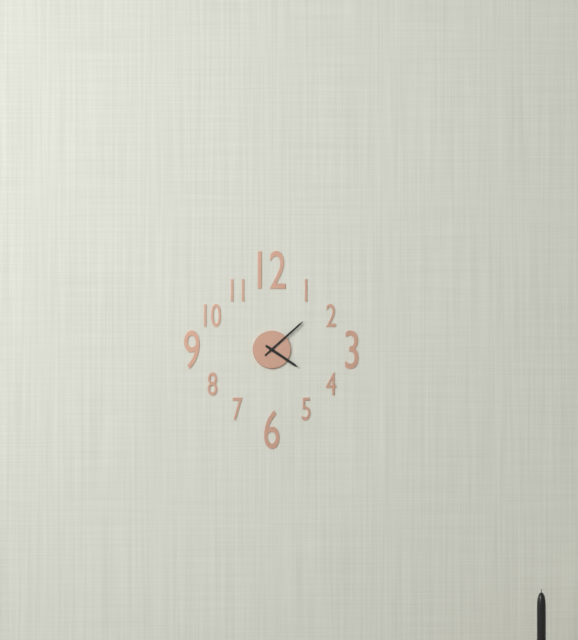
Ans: {"hour": 4, "minute": 8}
